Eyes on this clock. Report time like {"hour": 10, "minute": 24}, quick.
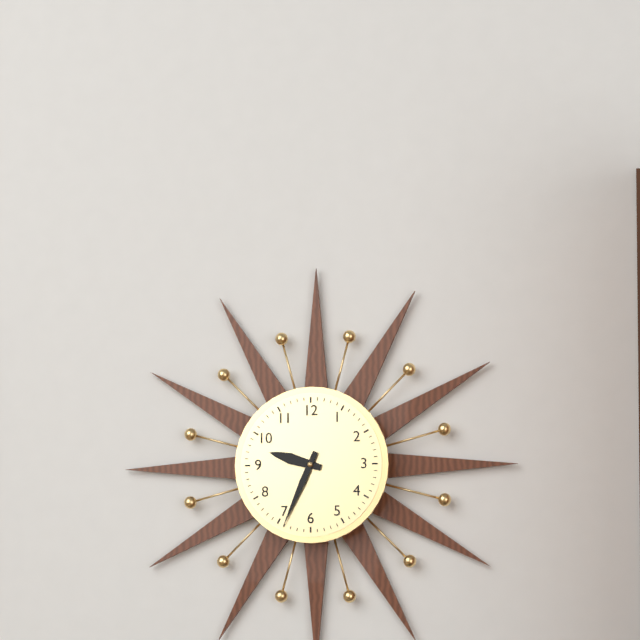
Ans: {"hour": 9, "minute": 34}
